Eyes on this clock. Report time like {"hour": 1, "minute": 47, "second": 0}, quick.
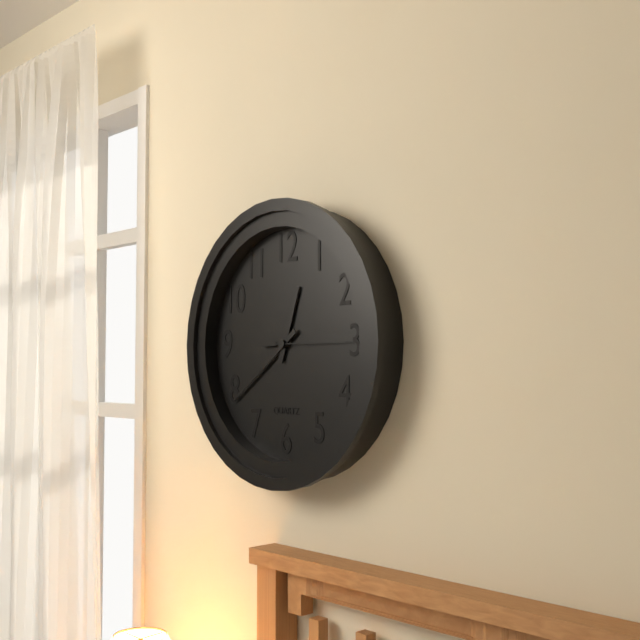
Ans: {"hour": 12, "minute": 39, "second": 15}
